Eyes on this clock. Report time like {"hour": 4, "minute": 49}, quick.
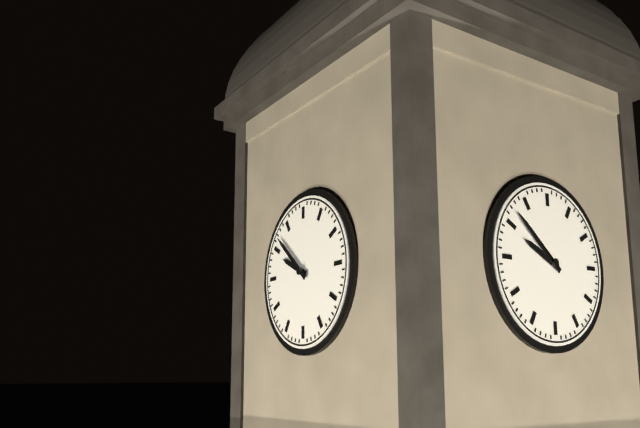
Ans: {"hour": 9, "minute": 52}
